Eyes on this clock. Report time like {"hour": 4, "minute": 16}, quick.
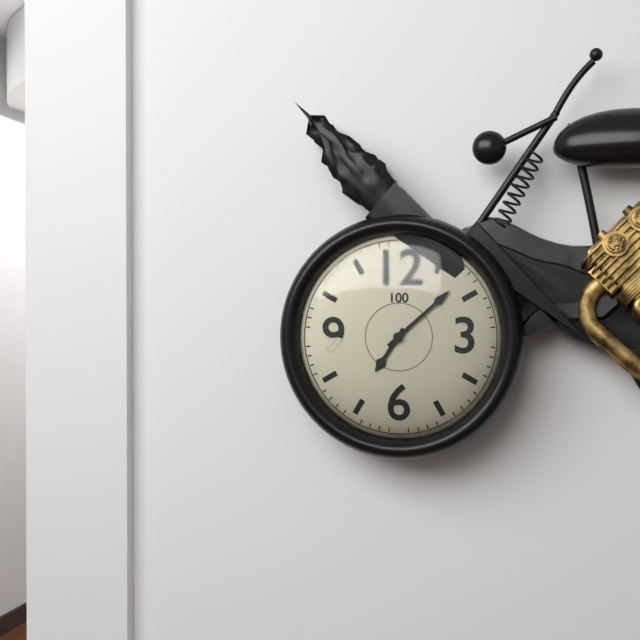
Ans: {"hour": 7, "minute": 8}
